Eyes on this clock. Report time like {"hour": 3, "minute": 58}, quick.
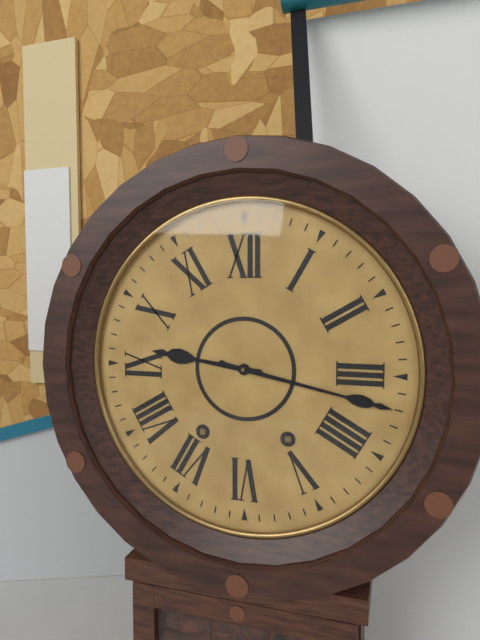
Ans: {"hour": 9, "minute": 17}
